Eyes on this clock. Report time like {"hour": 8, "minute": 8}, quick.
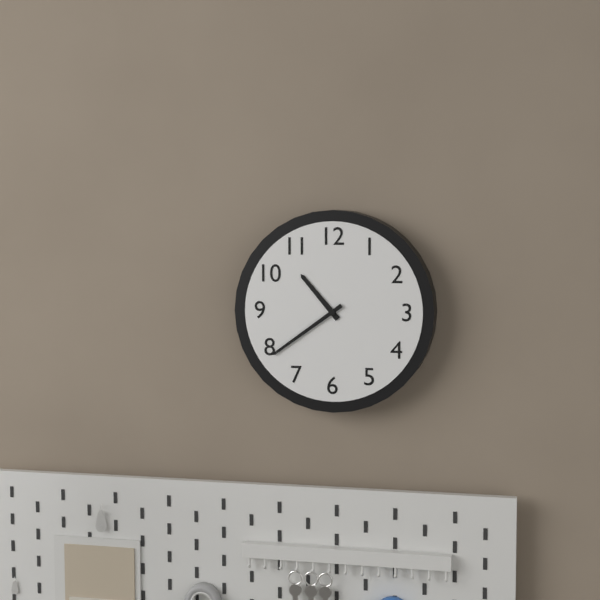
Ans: {"hour": 10, "minute": 39}
